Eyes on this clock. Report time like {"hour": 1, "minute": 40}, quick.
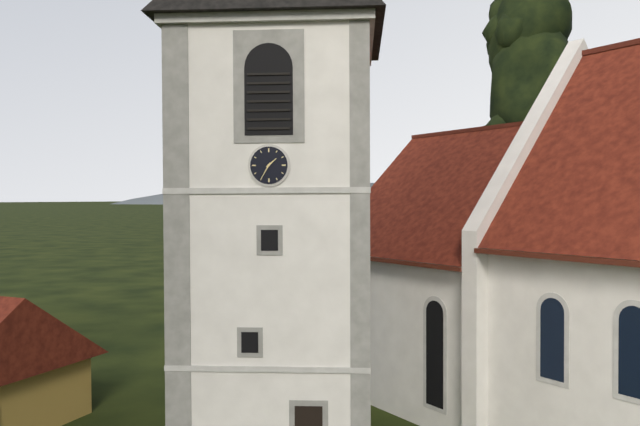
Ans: {"hour": 1, "minute": 35}
